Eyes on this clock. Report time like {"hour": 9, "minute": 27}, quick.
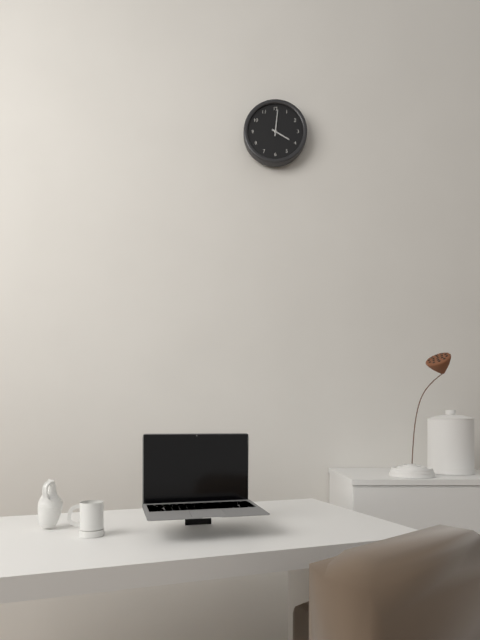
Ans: {"hour": 4, "minute": 1}
